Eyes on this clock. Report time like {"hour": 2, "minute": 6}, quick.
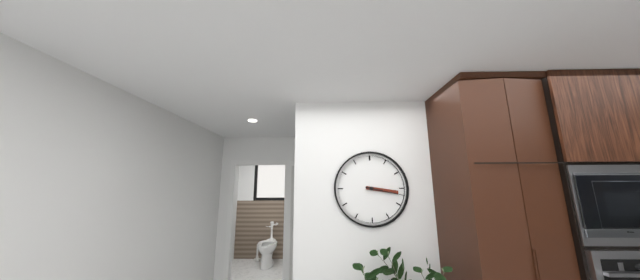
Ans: {"hour": 3, "minute": 17}
